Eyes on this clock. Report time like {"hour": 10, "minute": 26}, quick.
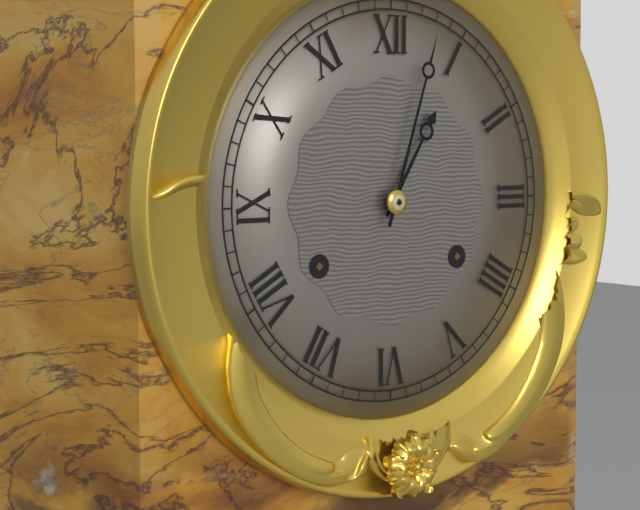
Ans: {"hour": 1, "minute": 3}
